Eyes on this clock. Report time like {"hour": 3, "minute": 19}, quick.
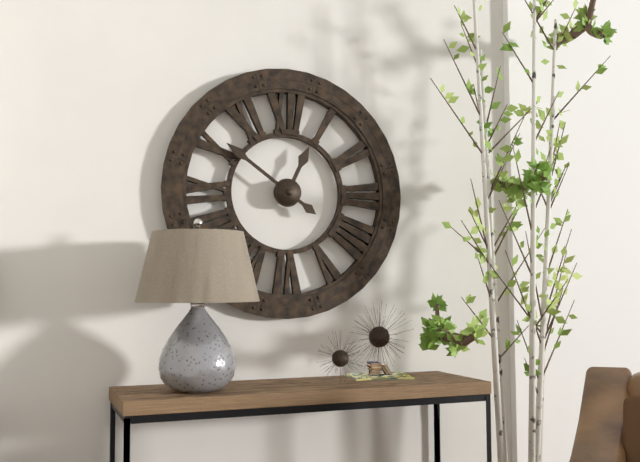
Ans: {"hour": 12, "minute": 51}
